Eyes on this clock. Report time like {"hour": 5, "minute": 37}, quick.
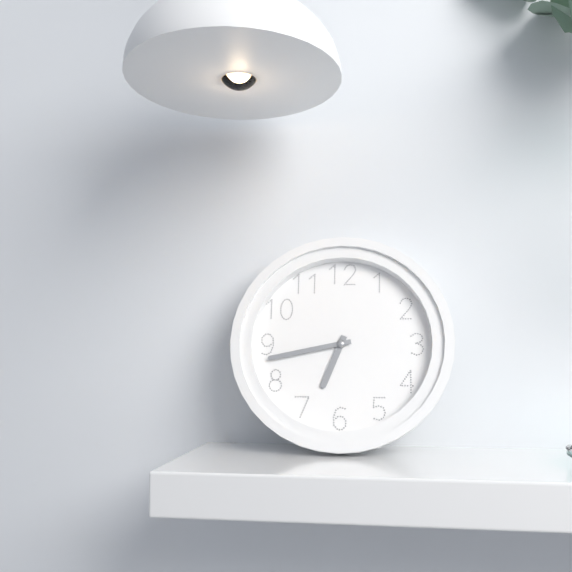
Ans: {"hour": 6, "minute": 43}
